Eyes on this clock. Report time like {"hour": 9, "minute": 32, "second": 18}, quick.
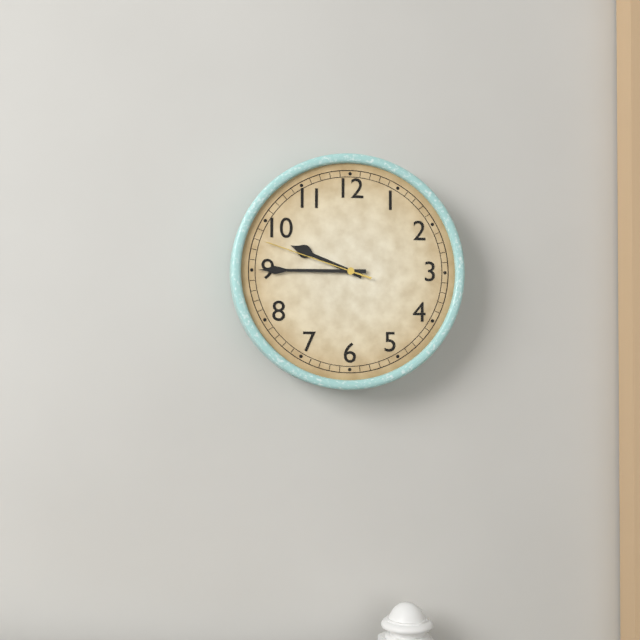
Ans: {"hour": 9, "minute": 45, "second": 48}
